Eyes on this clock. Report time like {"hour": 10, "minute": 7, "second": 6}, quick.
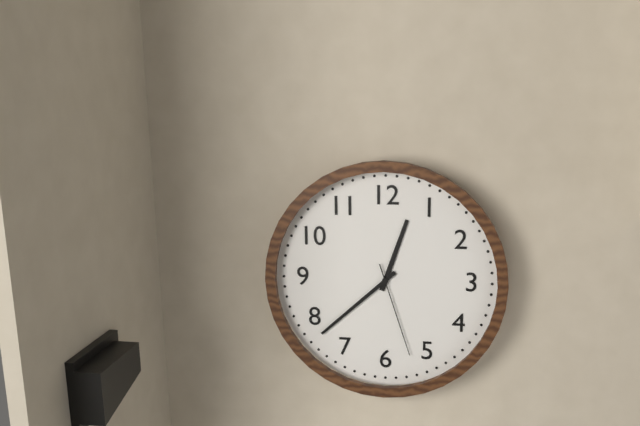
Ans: {"hour": 12, "minute": 38, "second": 27}
